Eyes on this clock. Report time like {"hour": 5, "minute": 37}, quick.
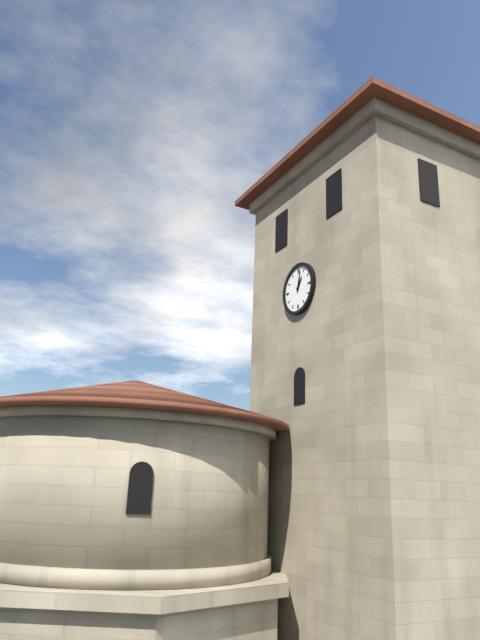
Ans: {"hour": 1, "minute": 2}
